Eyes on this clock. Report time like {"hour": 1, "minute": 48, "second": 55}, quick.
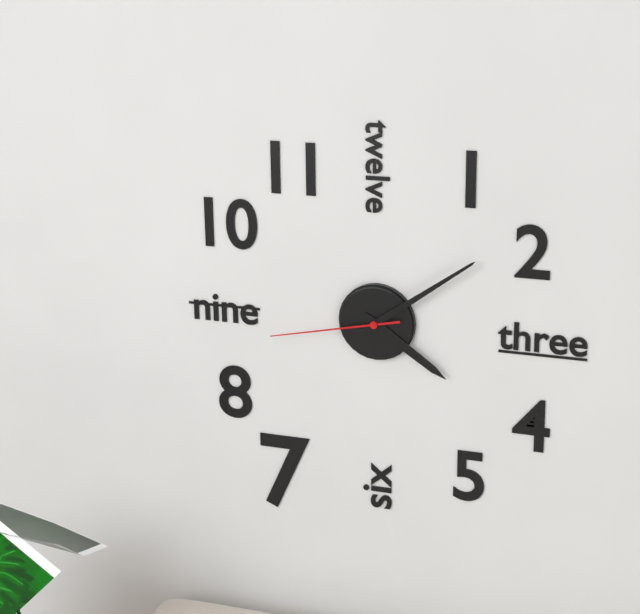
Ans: {"hour": 4, "minute": 9, "second": 43}
